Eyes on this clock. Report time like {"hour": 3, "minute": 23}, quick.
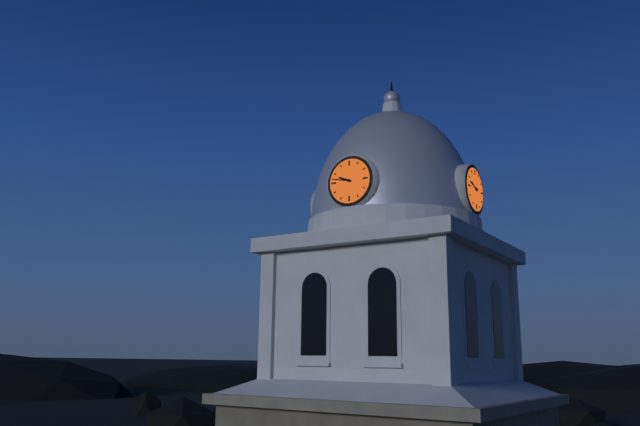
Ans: {"hour": 9, "minute": 47}
